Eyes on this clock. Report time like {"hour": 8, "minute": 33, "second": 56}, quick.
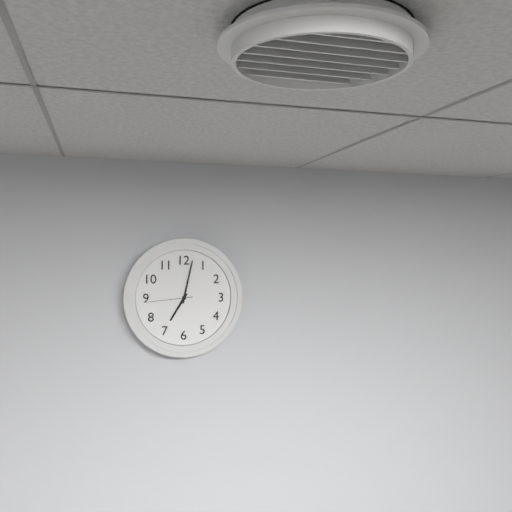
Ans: {"hour": 7, "minute": 2, "second": 44}
